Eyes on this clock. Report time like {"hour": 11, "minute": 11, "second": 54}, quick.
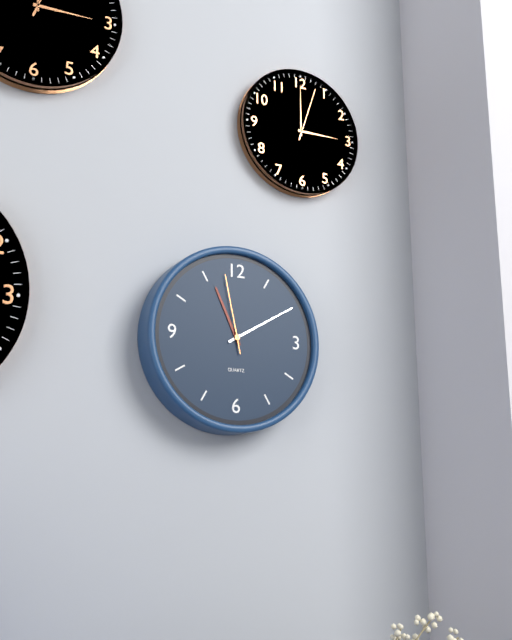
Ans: {"hour": 11, "minute": 10, "second": 58}
